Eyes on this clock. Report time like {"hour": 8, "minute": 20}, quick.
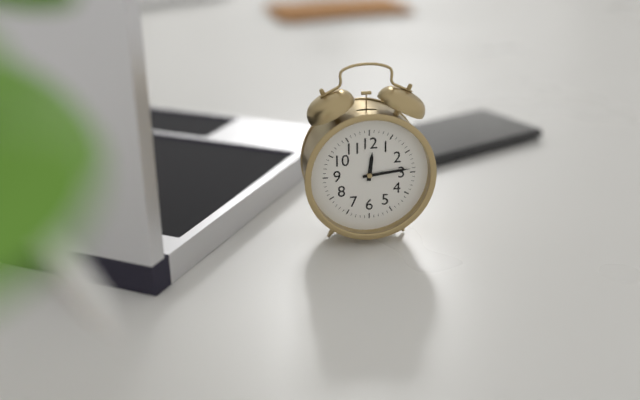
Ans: {"hour": 12, "minute": 14}
